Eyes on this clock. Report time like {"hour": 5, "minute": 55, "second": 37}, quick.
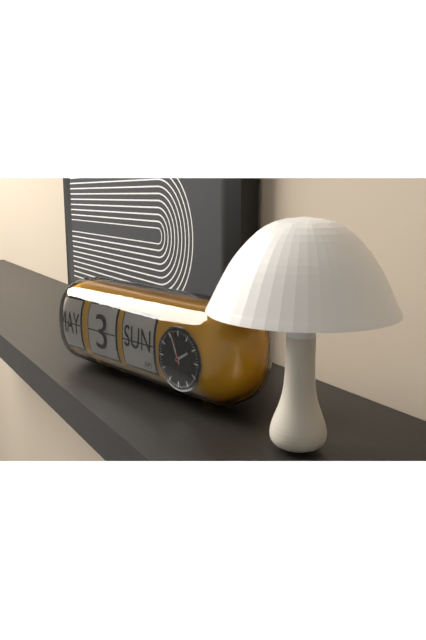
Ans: {"hour": 1, "minute": 56, "second": 58}
